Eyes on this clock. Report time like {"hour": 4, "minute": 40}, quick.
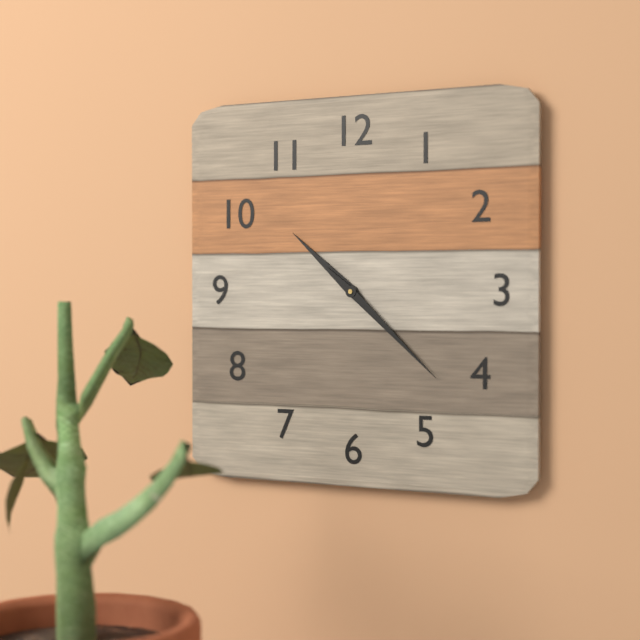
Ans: {"hour": 10, "minute": 22}
